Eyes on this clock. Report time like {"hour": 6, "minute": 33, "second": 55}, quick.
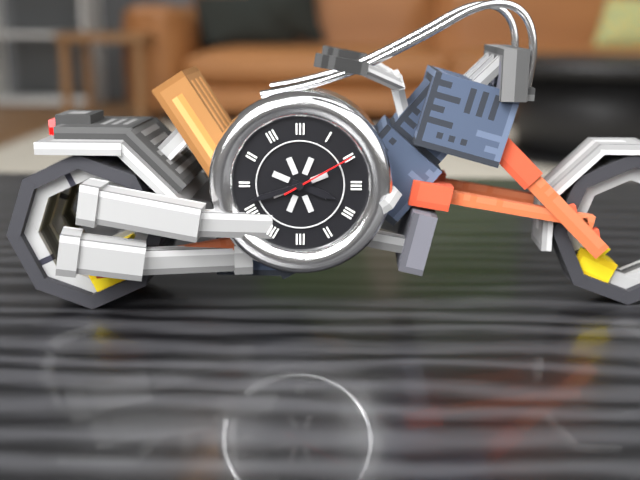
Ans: {"hour": 3, "minute": 42, "second": 10}
